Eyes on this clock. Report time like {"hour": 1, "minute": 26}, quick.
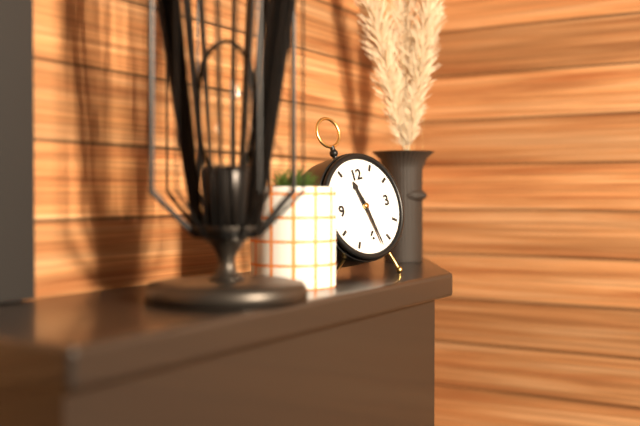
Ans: {"hour": 11, "minute": 28}
